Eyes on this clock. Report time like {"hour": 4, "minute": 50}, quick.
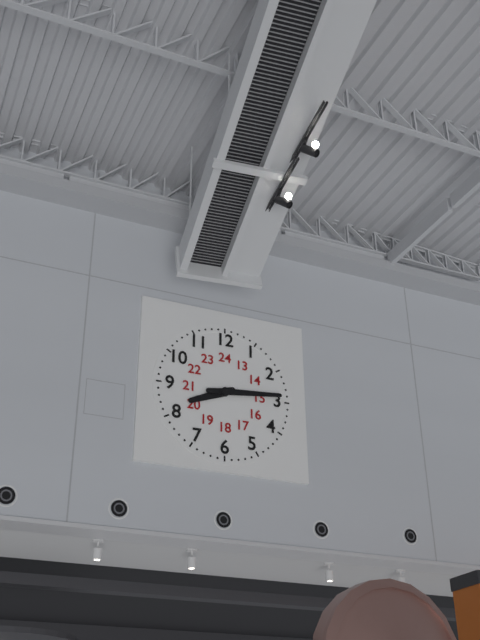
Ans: {"hour": 8, "minute": 14}
